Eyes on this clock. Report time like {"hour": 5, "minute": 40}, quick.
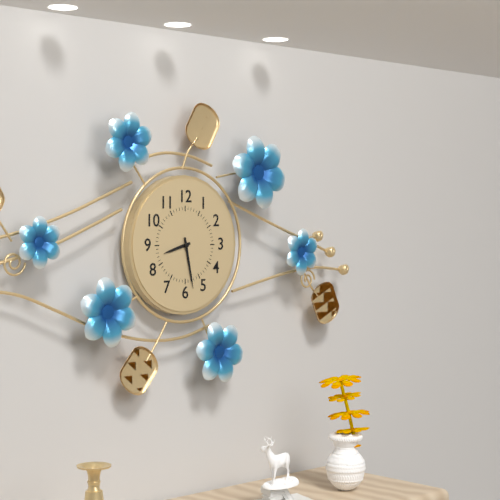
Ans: {"hour": 8, "minute": 28}
